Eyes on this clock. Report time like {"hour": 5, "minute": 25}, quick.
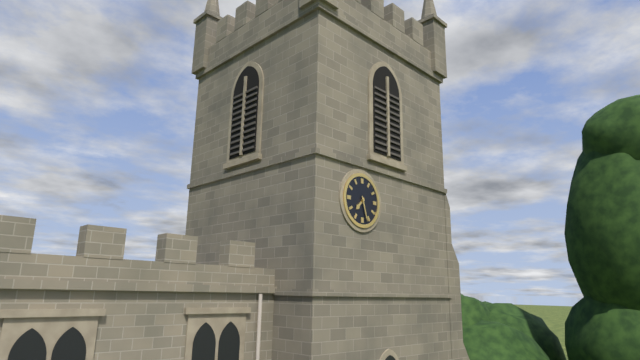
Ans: {"hour": 7, "minute": 27}
